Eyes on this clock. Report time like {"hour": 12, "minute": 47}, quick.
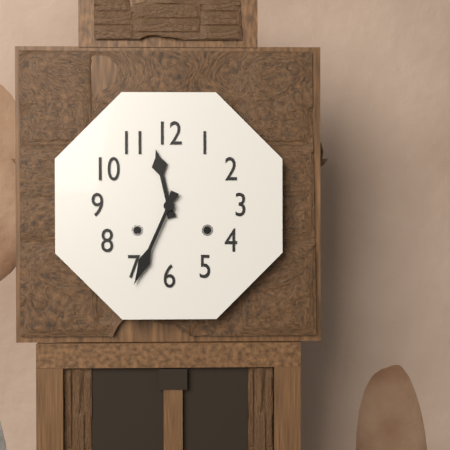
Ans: {"hour": 11, "minute": 34}
